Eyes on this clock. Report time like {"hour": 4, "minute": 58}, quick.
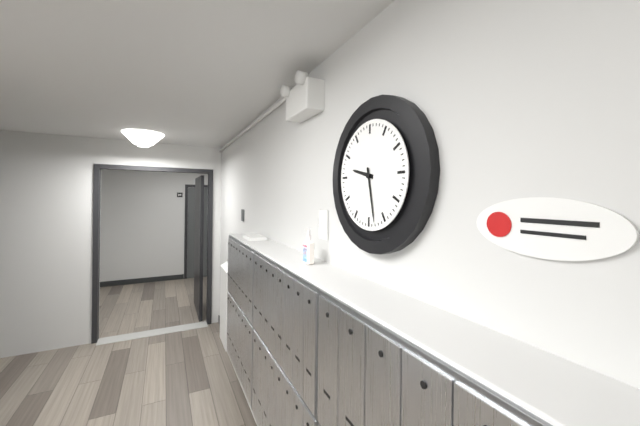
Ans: {"hour": 9, "minute": 28}
